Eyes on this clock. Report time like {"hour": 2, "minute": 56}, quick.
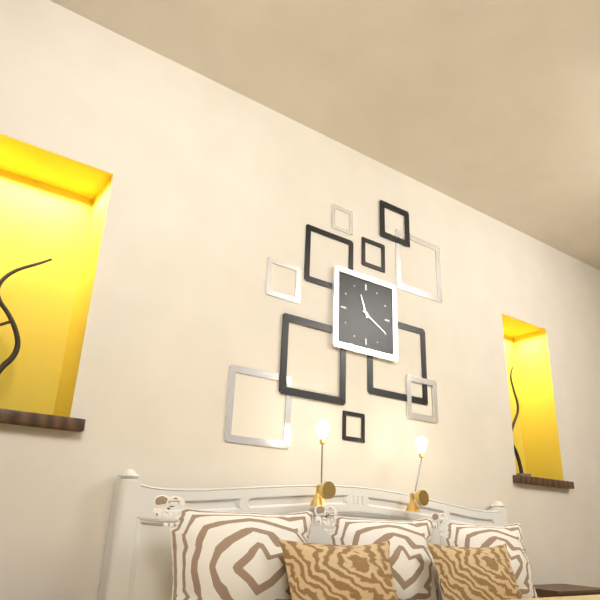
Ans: {"hour": 11, "minute": 20}
